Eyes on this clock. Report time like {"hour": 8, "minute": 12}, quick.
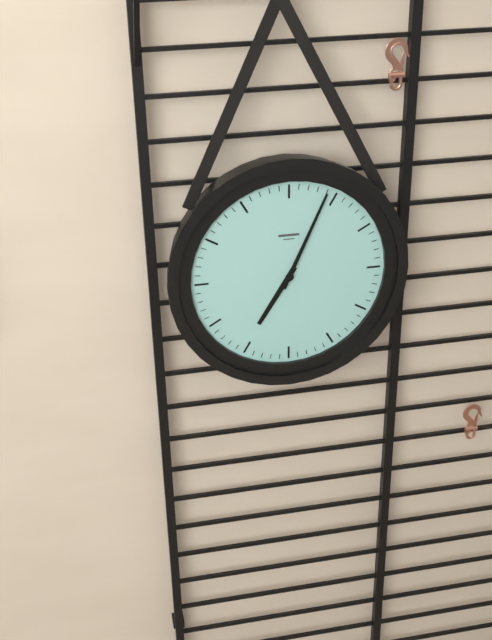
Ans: {"hour": 7, "minute": 4}
